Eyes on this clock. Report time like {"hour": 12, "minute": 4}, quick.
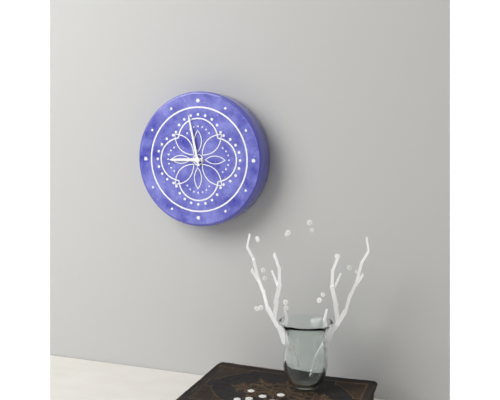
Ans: {"hour": 8, "minute": 58}
